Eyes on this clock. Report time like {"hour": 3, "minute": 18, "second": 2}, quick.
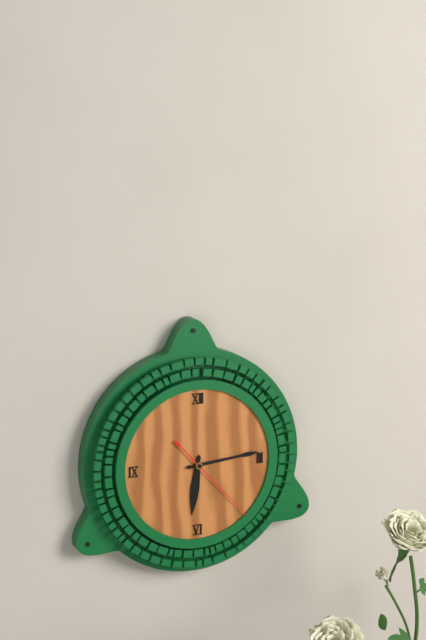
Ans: {"hour": 6, "minute": 14, "second": 23}
